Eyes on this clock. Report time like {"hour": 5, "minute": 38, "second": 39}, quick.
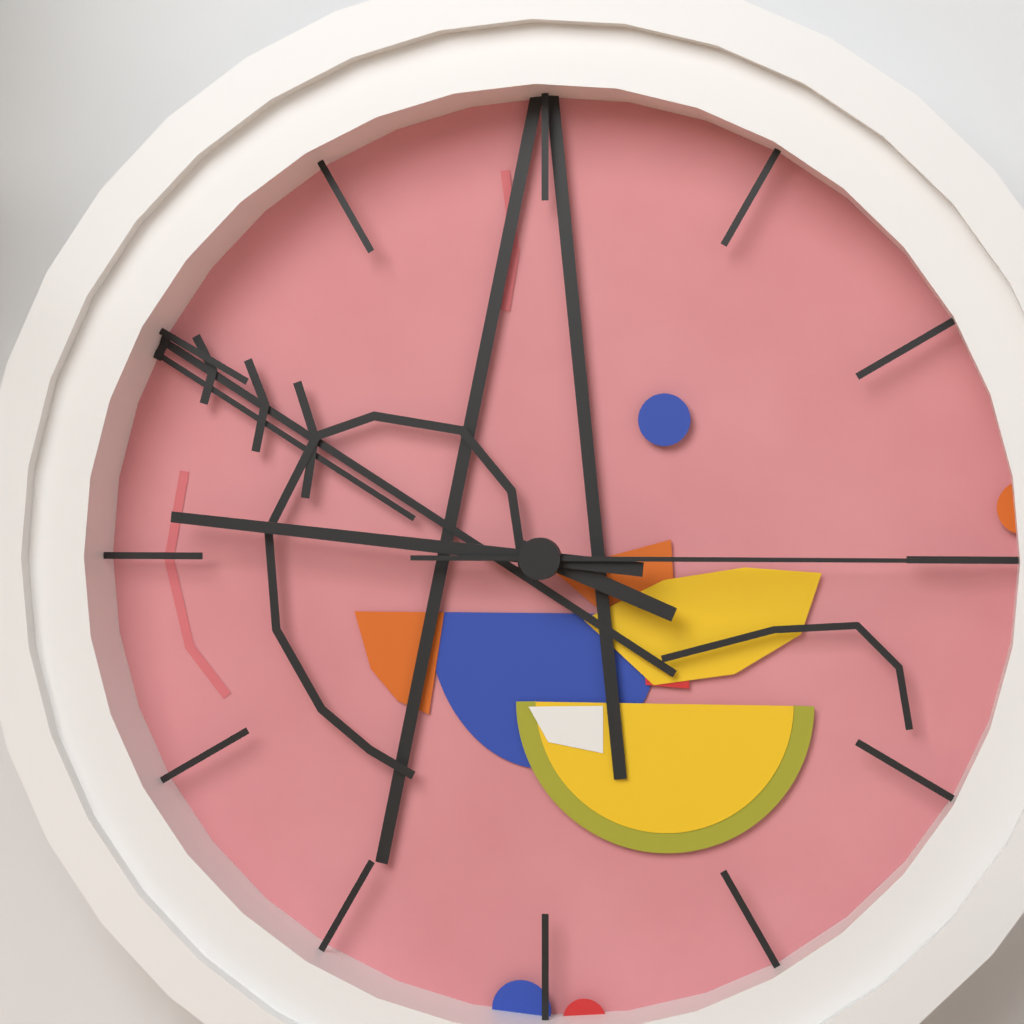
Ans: {"hour": 3, "minute": 46, "second": 15}
